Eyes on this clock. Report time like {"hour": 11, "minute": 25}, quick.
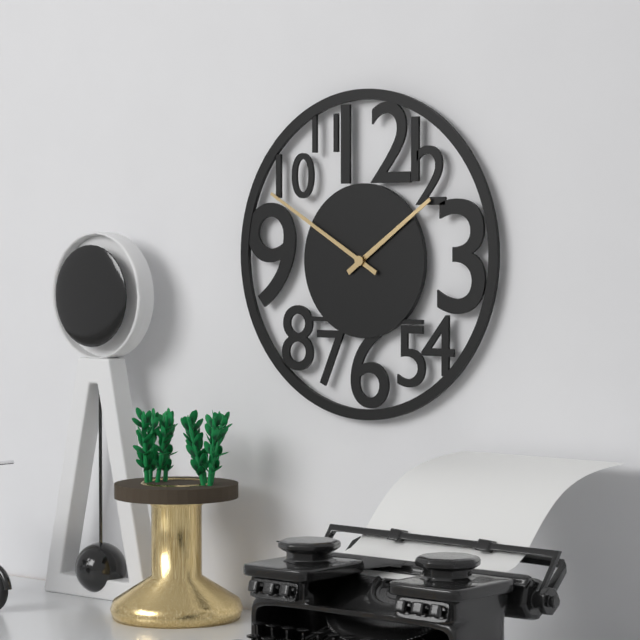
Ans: {"hour": 1, "minute": 50}
